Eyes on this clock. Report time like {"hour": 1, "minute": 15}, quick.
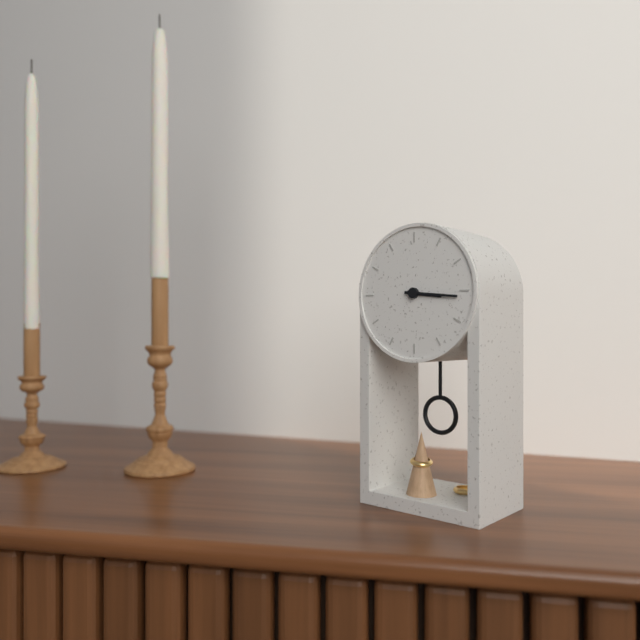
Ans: {"hour": 3, "minute": 16}
